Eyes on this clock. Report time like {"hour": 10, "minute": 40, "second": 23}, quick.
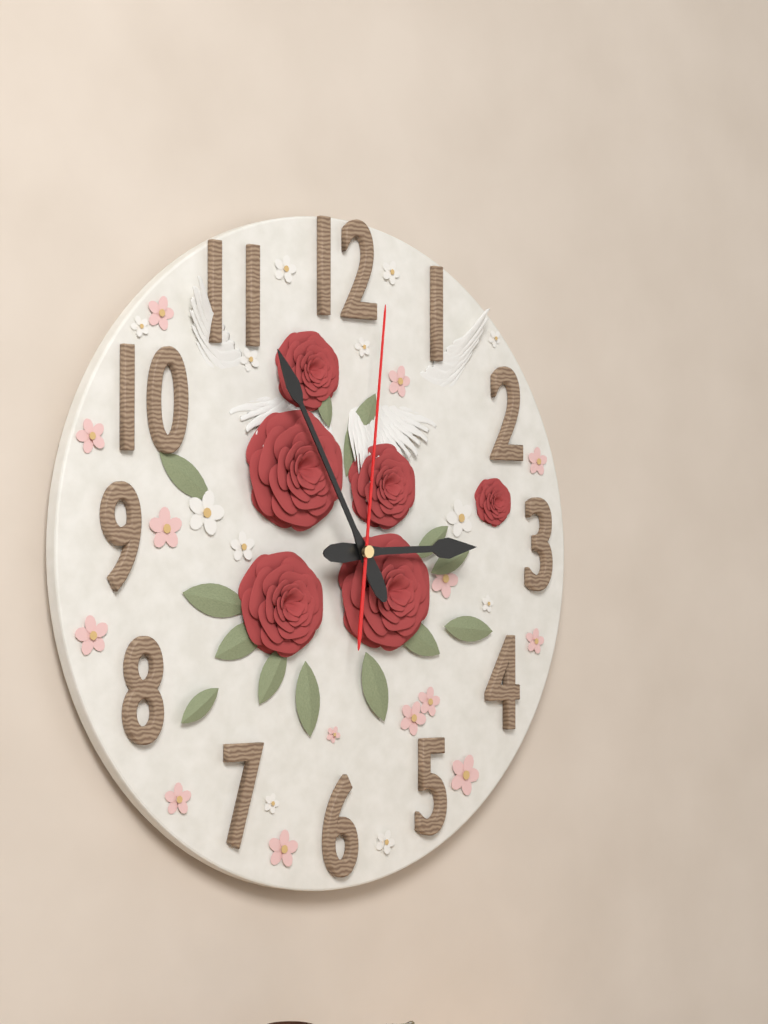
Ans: {"hour": 2, "minute": 55, "second": 1}
